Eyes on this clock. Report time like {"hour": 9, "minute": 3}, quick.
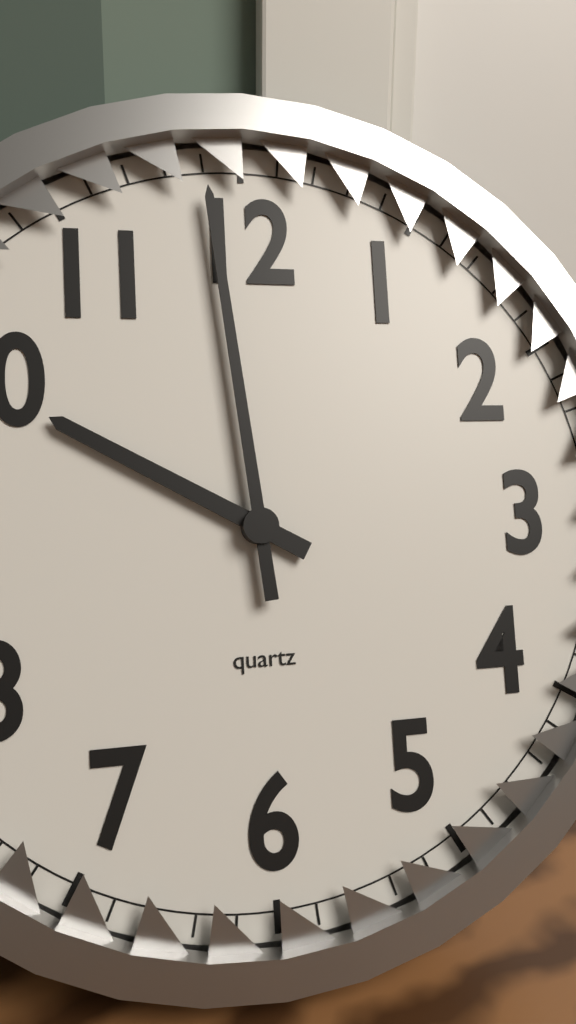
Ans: {"hour": 9, "minute": 59}
